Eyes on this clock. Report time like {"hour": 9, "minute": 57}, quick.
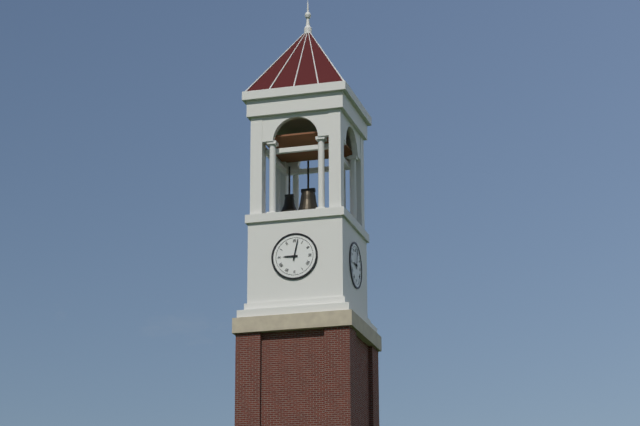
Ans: {"hour": 9, "minute": 2}
